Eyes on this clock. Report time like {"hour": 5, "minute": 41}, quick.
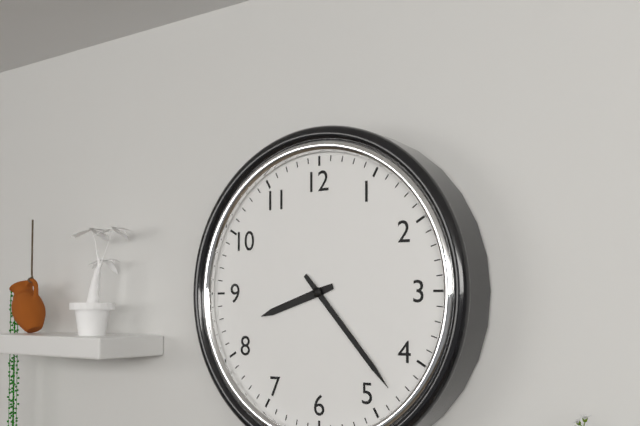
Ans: {"hour": 8, "minute": 23}
